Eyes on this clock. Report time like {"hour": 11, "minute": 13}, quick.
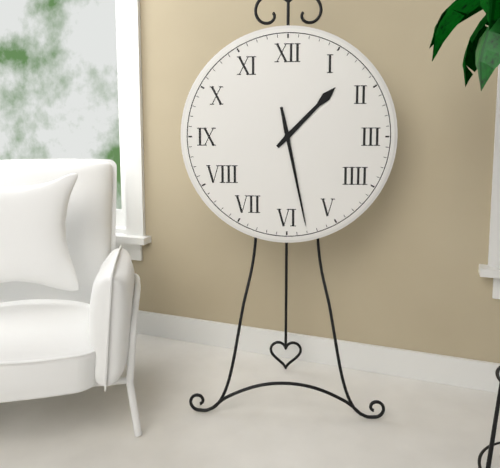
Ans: {"hour": 1, "minute": 28}
